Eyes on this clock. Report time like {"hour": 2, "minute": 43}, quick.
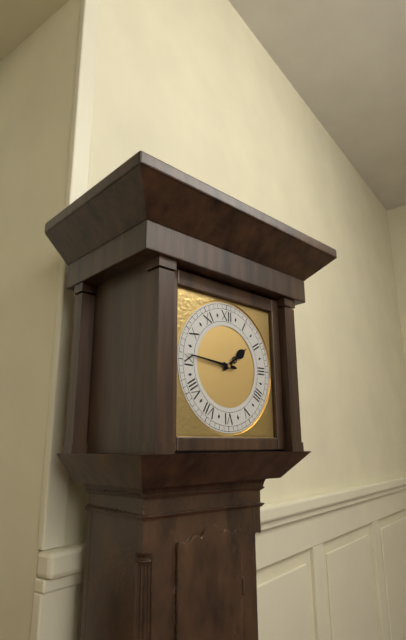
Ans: {"hour": 1, "minute": 46}
